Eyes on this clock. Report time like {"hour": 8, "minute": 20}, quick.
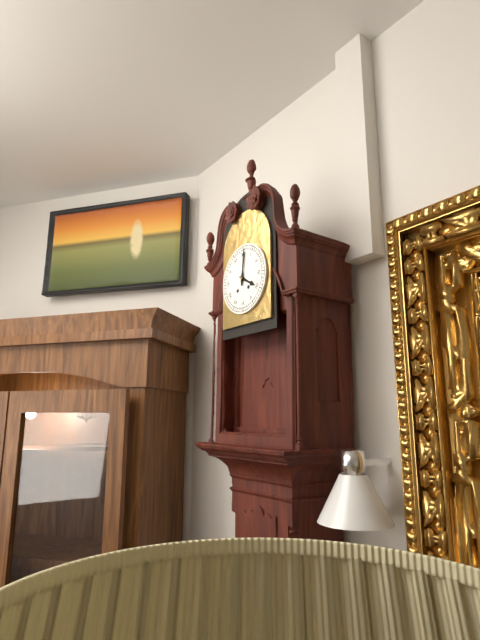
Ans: {"hour": 4, "minute": 1}
